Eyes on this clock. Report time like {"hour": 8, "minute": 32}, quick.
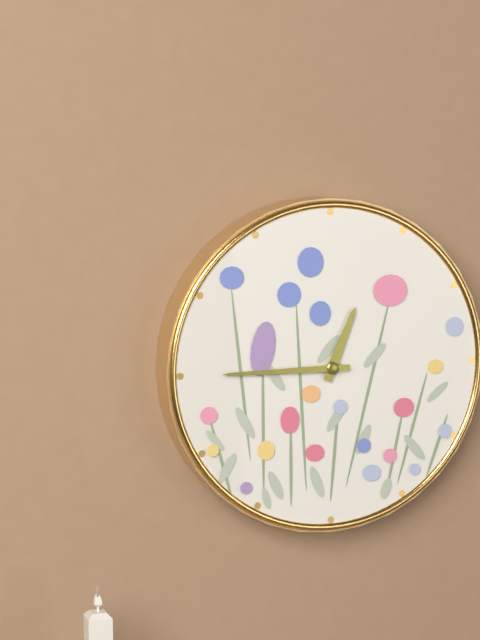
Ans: {"hour": 12, "minute": 45}
